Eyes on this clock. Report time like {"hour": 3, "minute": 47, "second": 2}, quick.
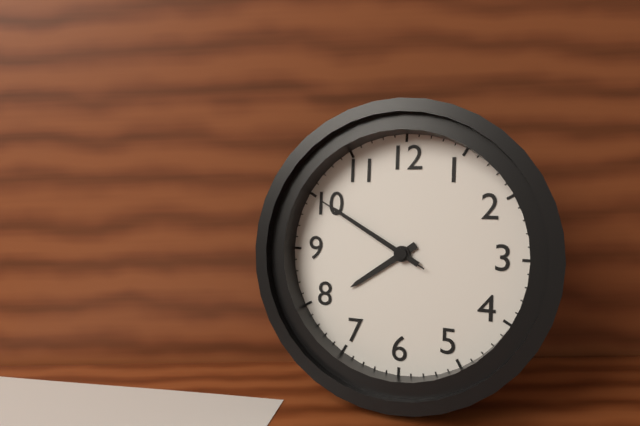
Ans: {"hour": 7, "minute": 50, "second": 50}
